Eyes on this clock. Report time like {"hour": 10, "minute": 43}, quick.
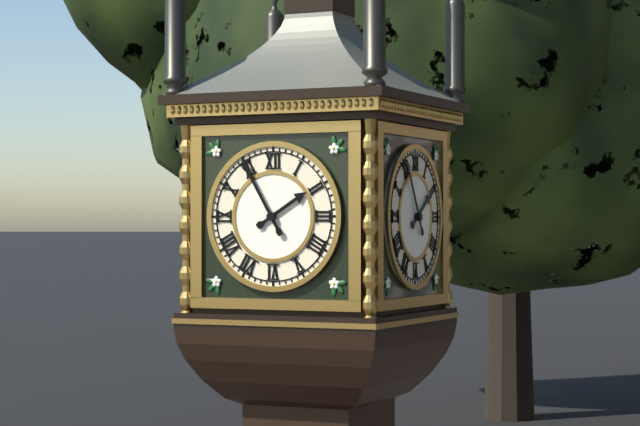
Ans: {"hour": 1, "minute": 55}
